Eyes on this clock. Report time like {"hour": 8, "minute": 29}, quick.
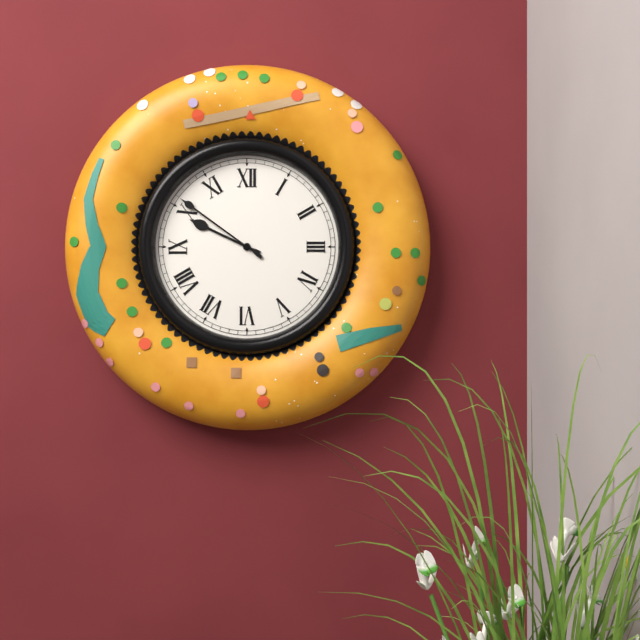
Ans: {"hour": 9, "minute": 51}
